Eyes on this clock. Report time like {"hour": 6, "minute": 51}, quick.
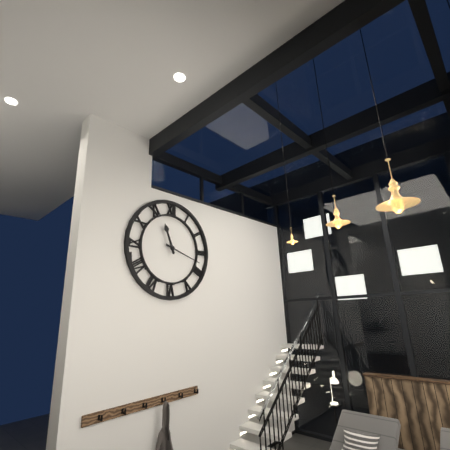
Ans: {"hour": 11, "minute": 18}
